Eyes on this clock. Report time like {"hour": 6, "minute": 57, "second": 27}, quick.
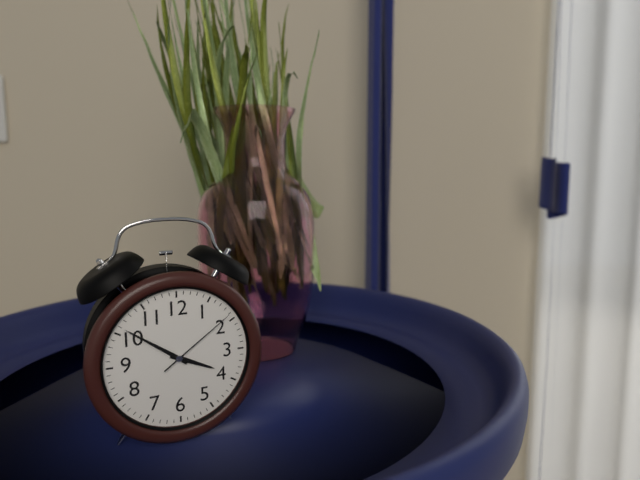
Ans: {"hour": 3, "minute": 51, "second": 9}
